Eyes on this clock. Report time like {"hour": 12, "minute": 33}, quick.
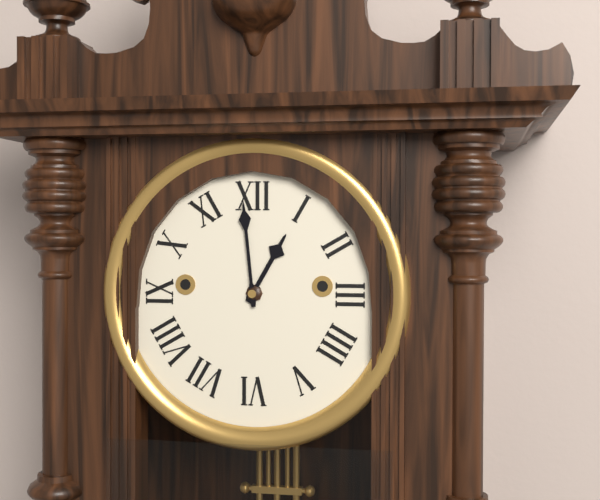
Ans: {"hour": 12, "minute": 59}
